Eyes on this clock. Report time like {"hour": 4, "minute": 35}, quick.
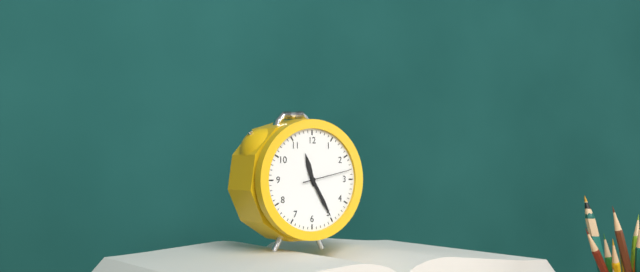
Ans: {"hour": 11, "minute": 25}
